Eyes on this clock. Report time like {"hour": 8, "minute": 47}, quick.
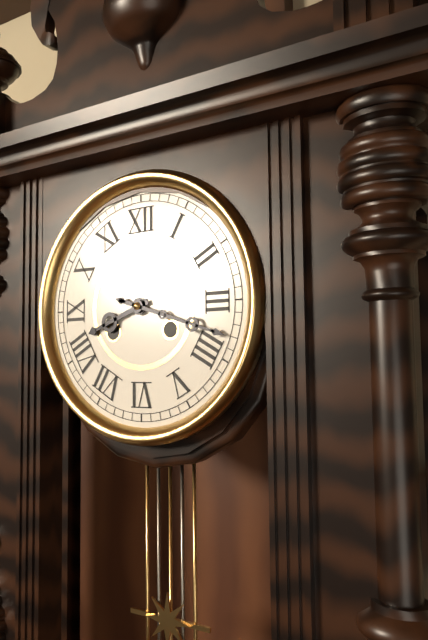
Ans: {"hour": 8, "minute": 18}
